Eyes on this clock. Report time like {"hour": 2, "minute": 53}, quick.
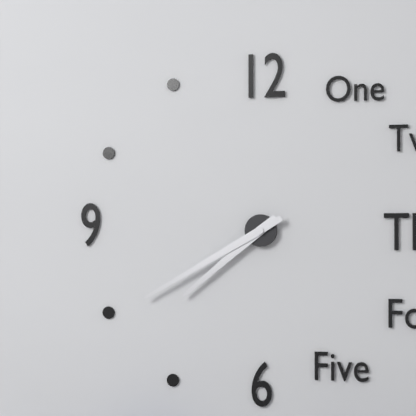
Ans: {"hour": 7, "minute": 40}
